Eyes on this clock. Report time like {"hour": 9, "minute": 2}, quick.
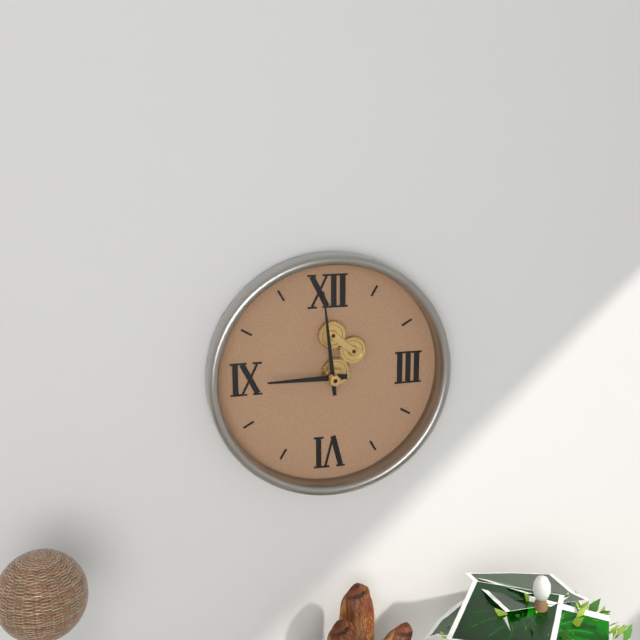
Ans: {"hour": 8, "minute": 59}
